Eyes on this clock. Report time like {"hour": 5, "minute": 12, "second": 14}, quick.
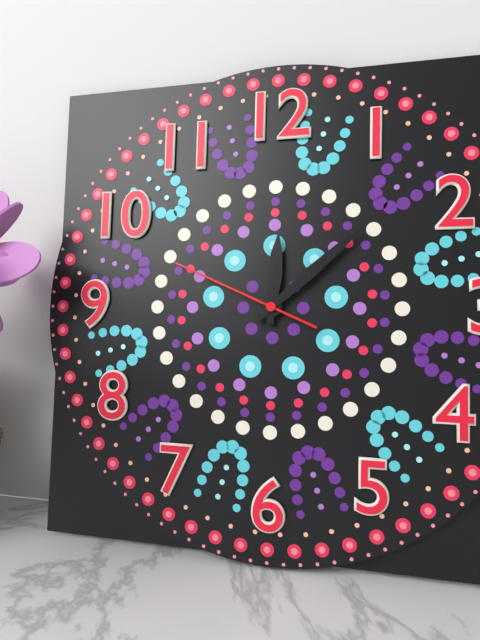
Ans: {"hour": 12, "minute": 8, "second": 49}
